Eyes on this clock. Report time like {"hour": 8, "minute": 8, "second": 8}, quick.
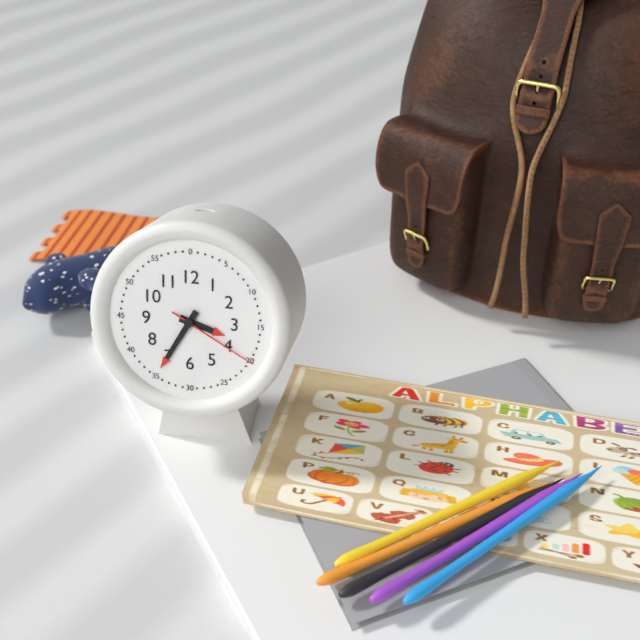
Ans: {"hour": 3, "minute": 35, "second": 20}
